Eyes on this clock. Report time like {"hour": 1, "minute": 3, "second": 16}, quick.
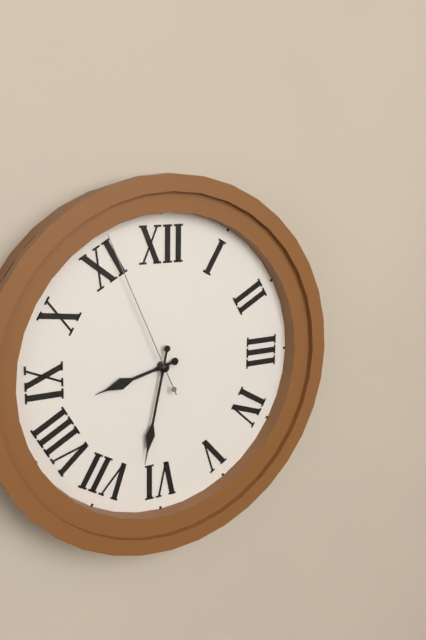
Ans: {"hour": 8, "minute": 32, "second": 56}
